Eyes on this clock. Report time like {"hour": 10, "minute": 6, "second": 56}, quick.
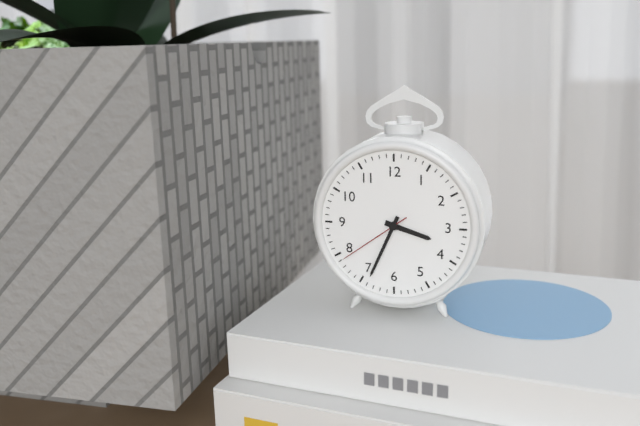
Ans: {"hour": 3, "minute": 34, "second": 39}
